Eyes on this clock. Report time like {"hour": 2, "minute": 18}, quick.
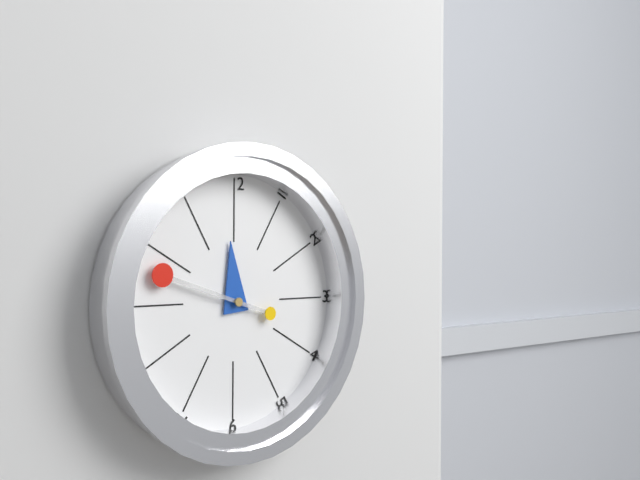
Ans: {"hour": 11, "minute": 48}
